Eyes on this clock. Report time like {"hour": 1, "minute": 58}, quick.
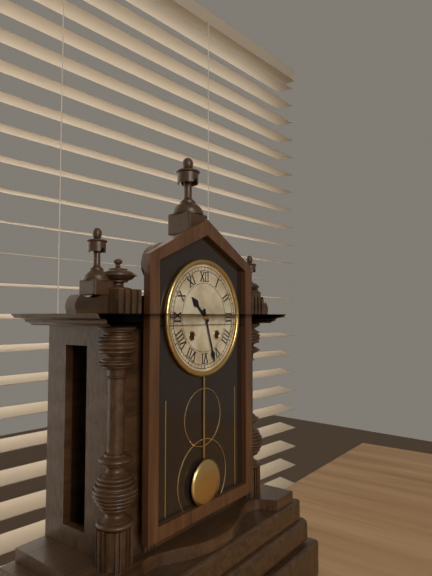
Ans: {"hour": 10, "minute": 27}
